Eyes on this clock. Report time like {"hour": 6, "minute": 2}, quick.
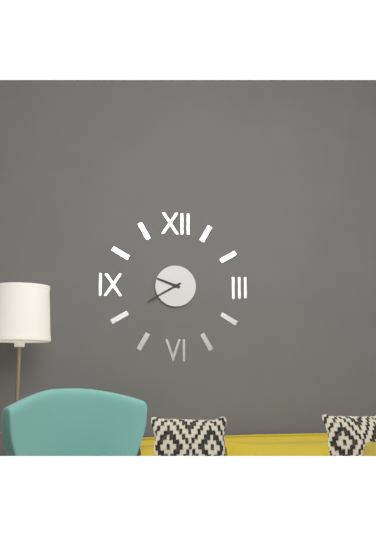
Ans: {"hour": 9, "minute": 40}
